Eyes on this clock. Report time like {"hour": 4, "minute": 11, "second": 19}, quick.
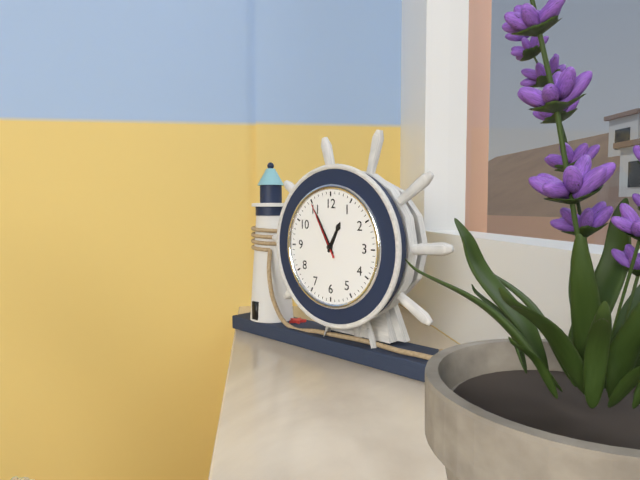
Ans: {"hour": 12, "minute": 55, "second": 55}
